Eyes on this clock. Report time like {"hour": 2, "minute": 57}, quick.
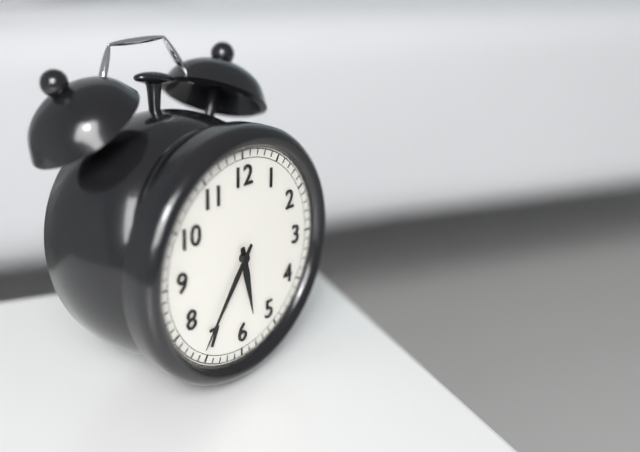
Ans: {"hour": 5, "minute": 36}
